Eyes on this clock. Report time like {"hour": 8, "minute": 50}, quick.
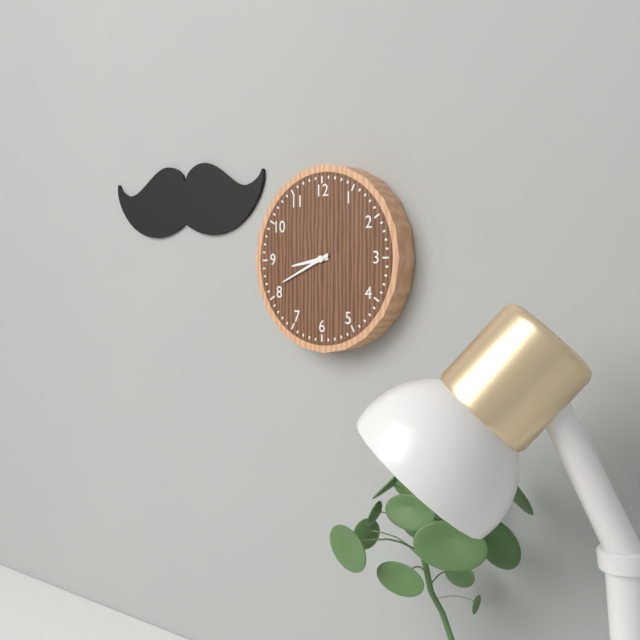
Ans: {"hour": 8, "minute": 41}
